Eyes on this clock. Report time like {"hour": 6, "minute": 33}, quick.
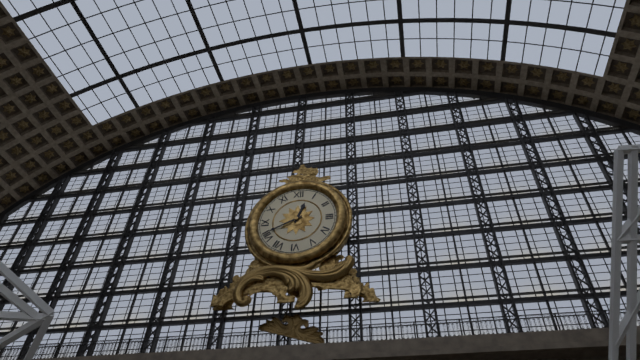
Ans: {"hour": 12, "minute": 41}
